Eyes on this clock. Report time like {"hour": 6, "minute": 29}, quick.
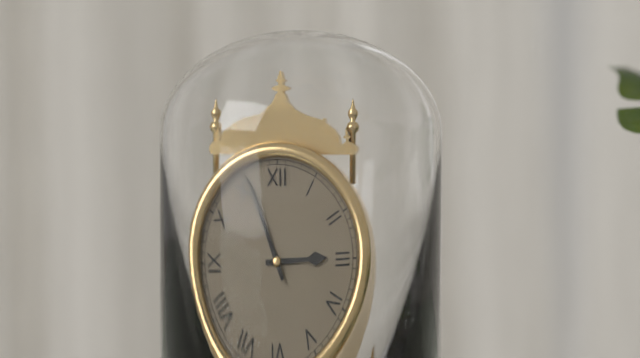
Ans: {"hour": 2, "minute": 56}
